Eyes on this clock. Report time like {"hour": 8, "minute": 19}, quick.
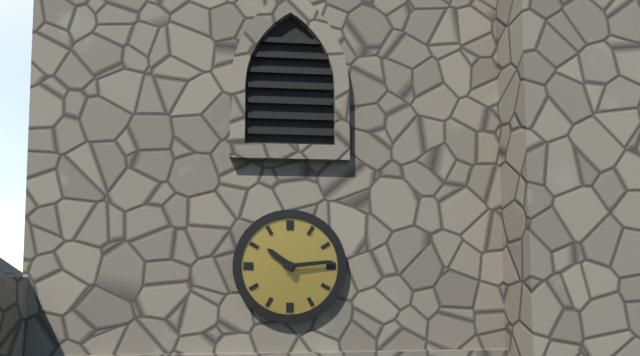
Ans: {"hour": 10, "minute": 14}
